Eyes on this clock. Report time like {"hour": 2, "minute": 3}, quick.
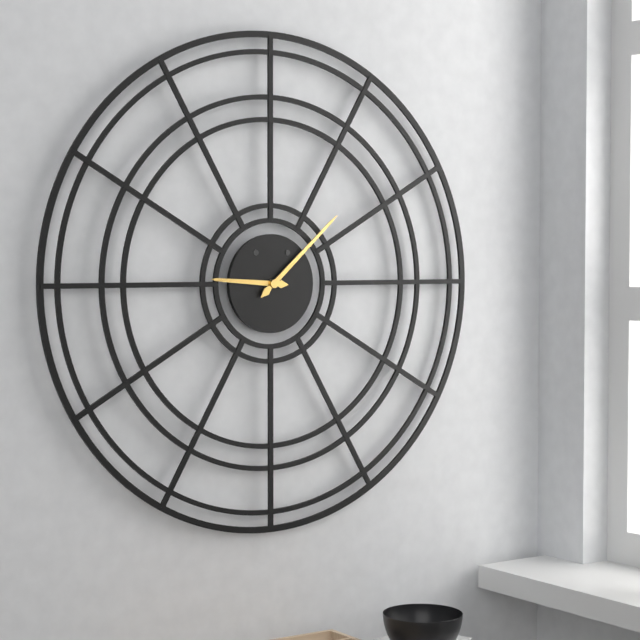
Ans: {"hour": 9, "minute": 8}
